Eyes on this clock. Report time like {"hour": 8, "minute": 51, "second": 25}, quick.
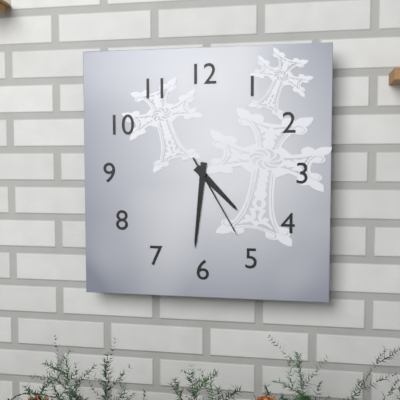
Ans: {"hour": 4, "minute": 31, "second": 25}
